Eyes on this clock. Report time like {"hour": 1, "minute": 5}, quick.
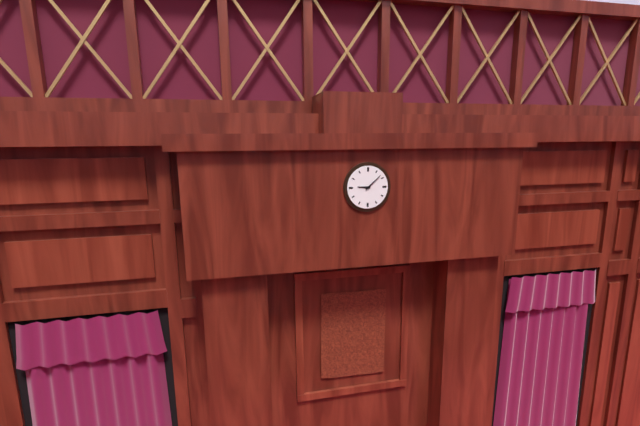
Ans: {"hour": 9, "minute": 8}
